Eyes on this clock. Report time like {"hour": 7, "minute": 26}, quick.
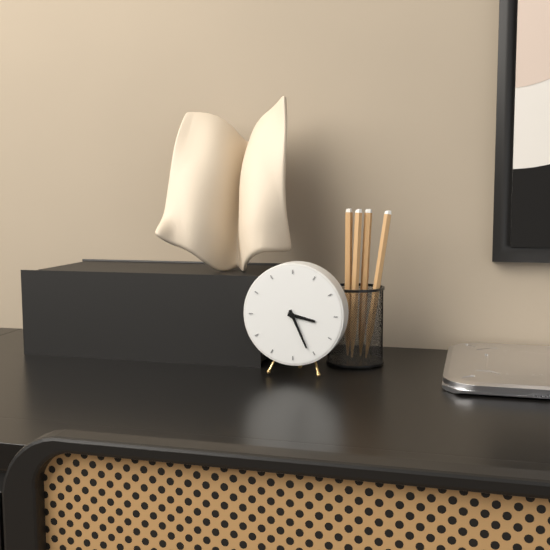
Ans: {"hour": 3, "minute": 26}
